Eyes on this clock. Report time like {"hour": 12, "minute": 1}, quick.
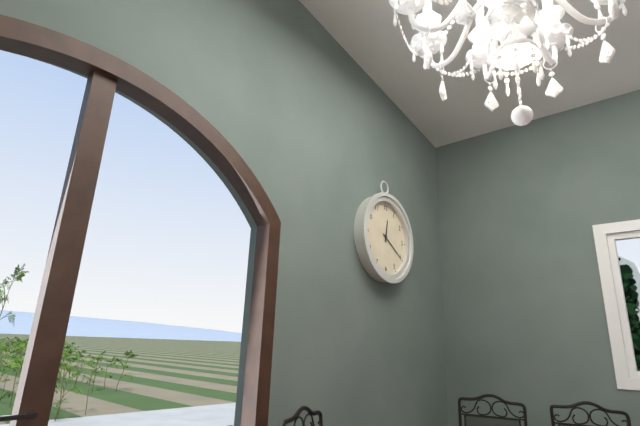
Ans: {"hour": 12, "minute": 20}
